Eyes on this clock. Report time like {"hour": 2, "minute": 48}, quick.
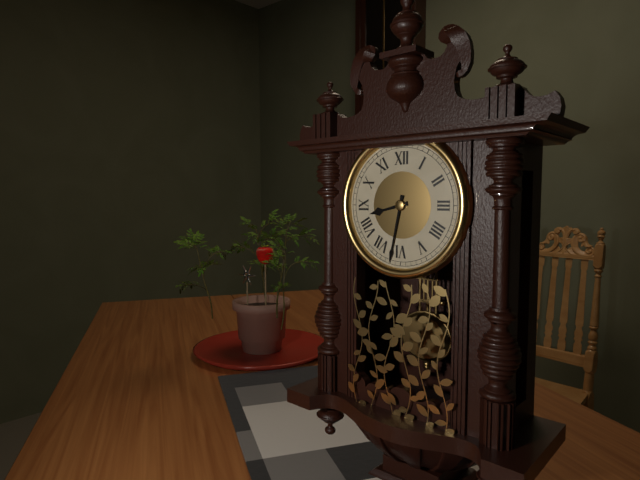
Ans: {"hour": 8, "minute": 32}
